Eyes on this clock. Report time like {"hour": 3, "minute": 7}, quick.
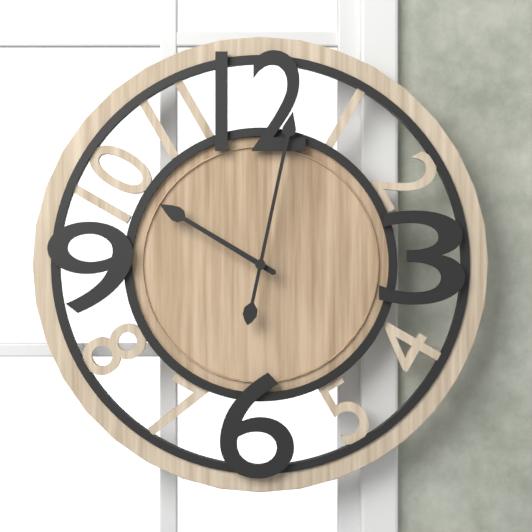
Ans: {"hour": 10, "minute": 2}
